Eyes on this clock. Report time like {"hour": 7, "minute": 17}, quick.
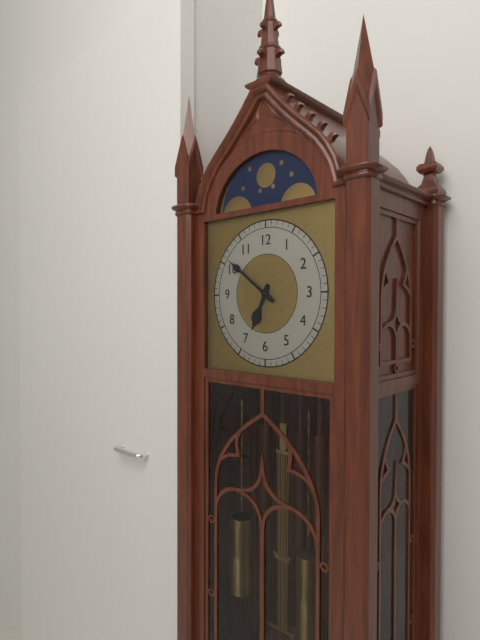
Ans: {"hour": 6, "minute": 51}
